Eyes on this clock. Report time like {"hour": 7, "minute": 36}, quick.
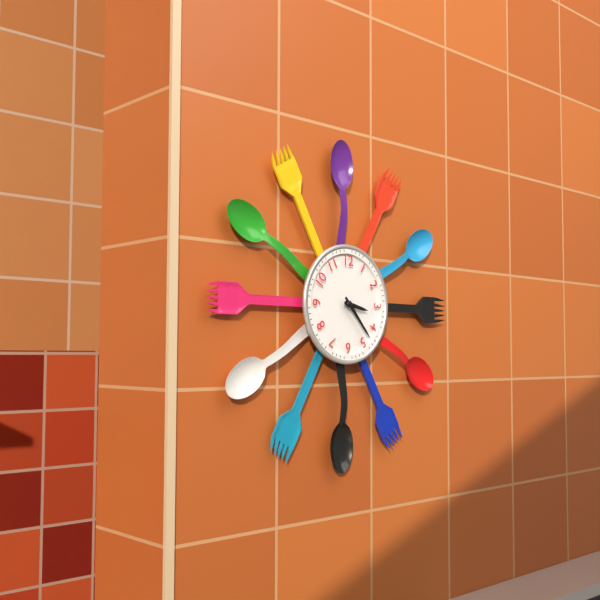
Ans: {"hour": 3, "minute": 23}
